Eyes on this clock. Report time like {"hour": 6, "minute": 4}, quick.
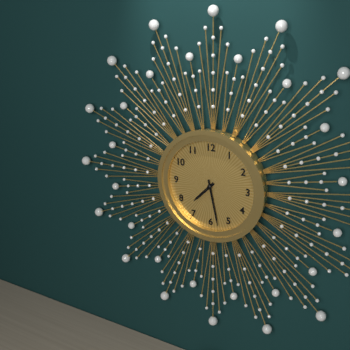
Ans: {"hour": 7, "minute": 28}
